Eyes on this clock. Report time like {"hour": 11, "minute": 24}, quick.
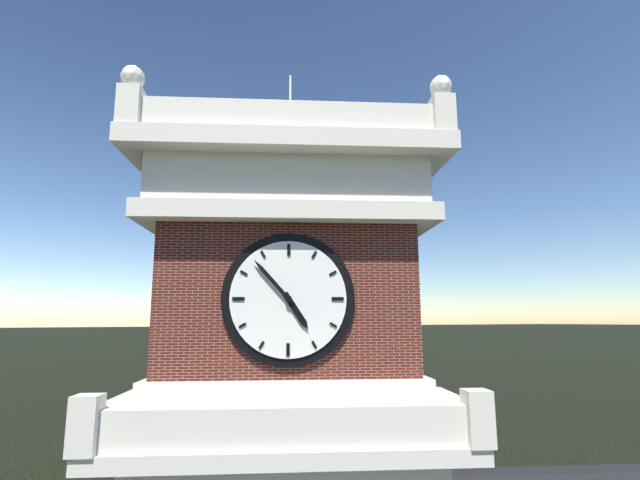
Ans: {"hour": 4, "minute": 53}
